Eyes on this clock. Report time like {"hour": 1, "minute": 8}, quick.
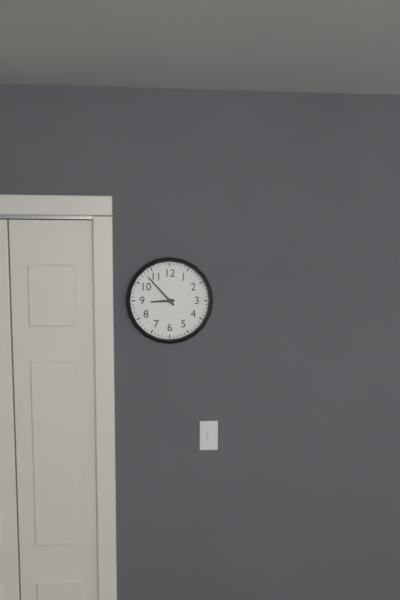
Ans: {"hour": 8, "minute": 53}
